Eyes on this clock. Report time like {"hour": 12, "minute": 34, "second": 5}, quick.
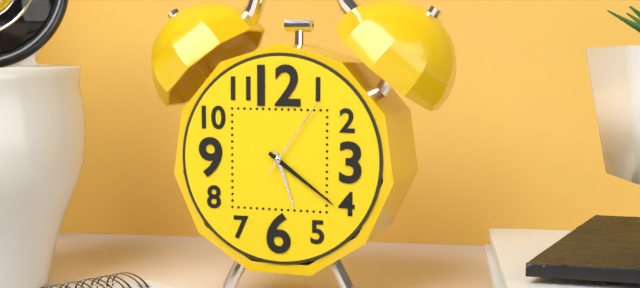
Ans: {"hour": 5, "minute": 21, "second": 6}
